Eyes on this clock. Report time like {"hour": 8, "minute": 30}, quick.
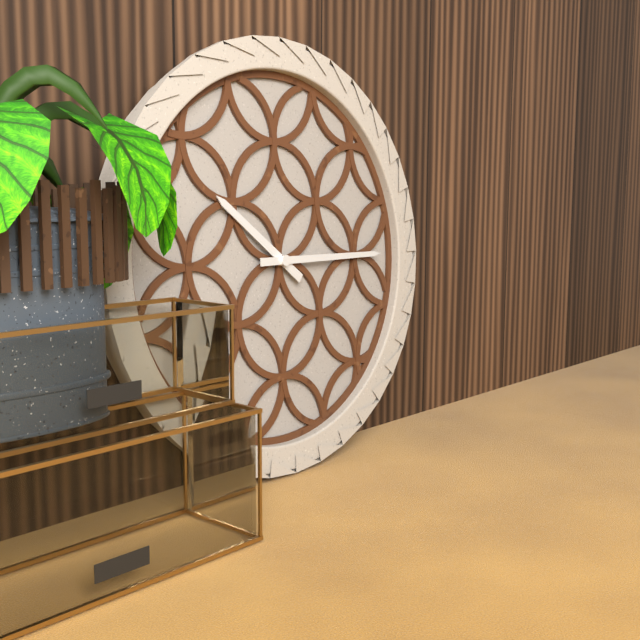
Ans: {"hour": 10, "minute": 15}
